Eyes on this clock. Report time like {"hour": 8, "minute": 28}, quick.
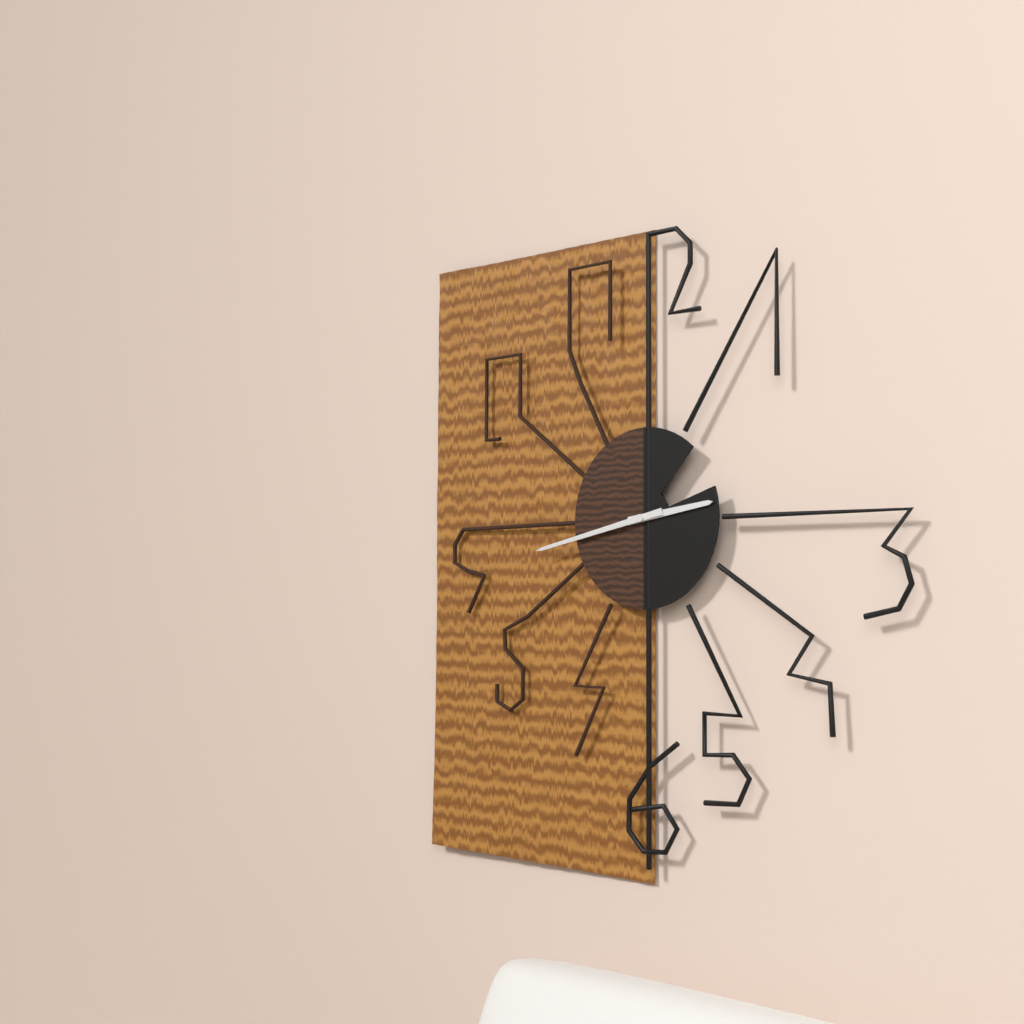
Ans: {"hour": 2, "minute": 43}
